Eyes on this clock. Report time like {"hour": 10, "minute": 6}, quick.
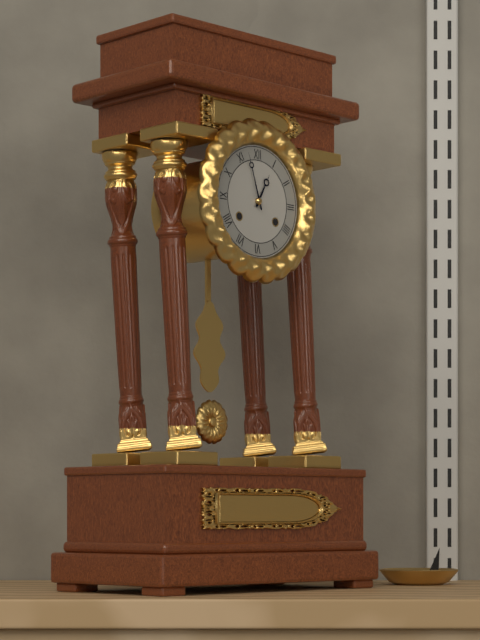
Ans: {"hour": 12, "minute": 57}
